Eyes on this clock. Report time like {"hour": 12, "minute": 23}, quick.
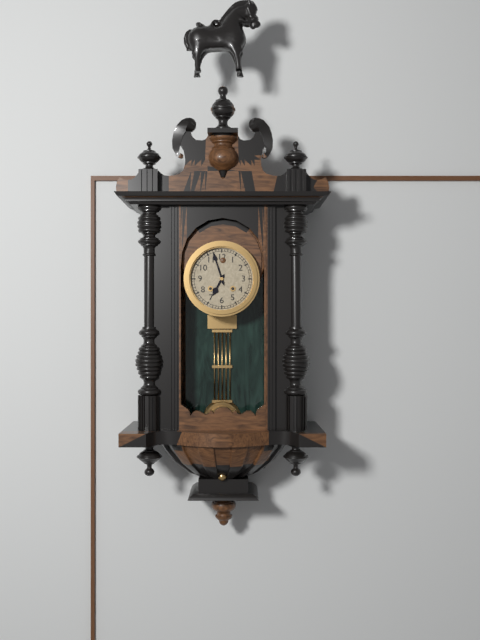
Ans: {"hour": 6, "minute": 57}
